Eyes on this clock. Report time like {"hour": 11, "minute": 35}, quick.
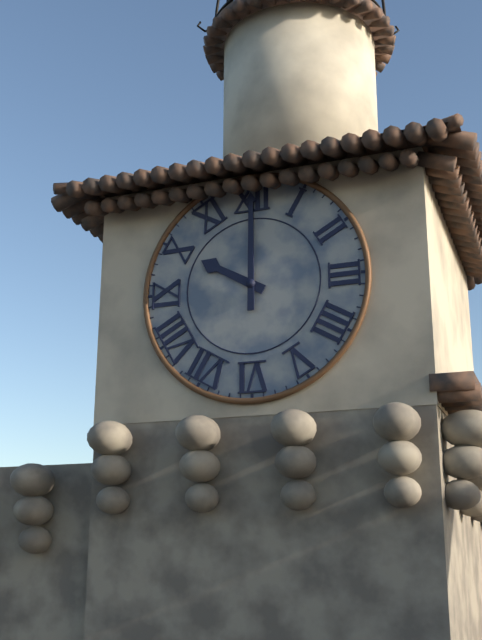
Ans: {"hour": 10, "minute": 0}
